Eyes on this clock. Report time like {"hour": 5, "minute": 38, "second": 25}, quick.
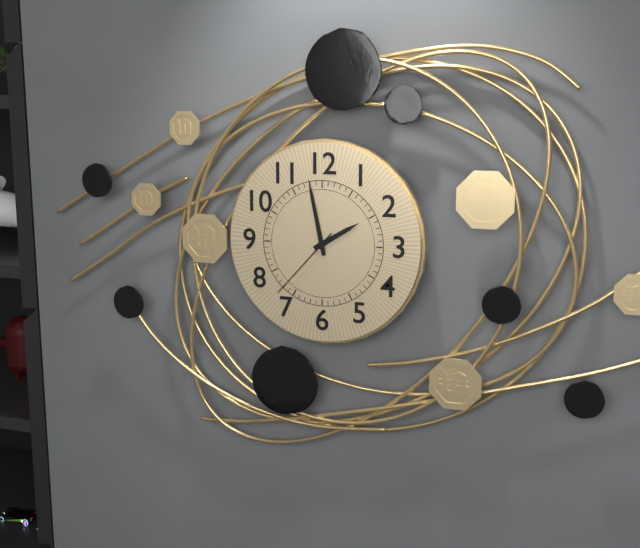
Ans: {"hour": 1, "minute": 58, "second": 37}
